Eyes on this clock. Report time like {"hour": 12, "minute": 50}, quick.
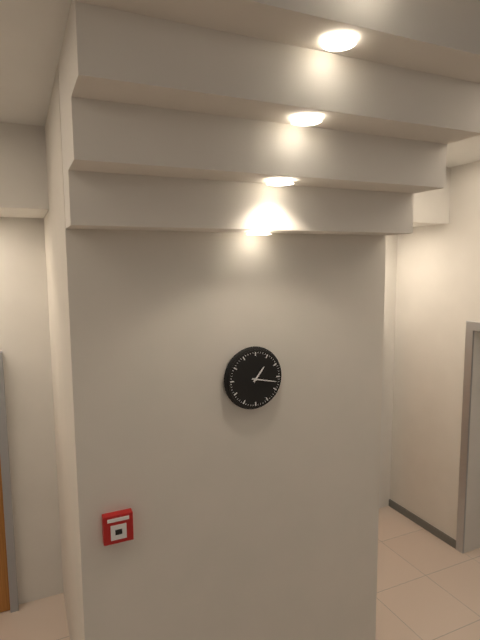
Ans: {"hour": 1, "minute": 17}
